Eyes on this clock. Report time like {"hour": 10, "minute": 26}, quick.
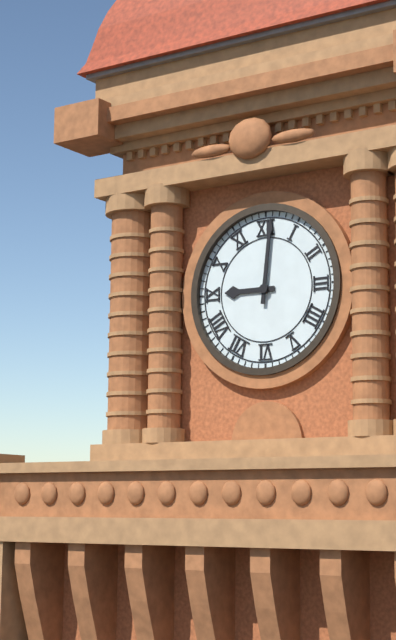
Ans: {"hour": 9, "minute": 1}
